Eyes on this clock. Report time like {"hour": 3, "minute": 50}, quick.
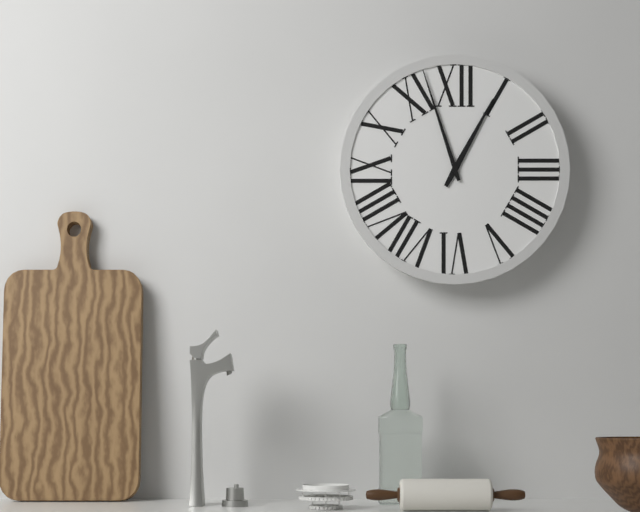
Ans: {"hour": 12, "minute": 57}
